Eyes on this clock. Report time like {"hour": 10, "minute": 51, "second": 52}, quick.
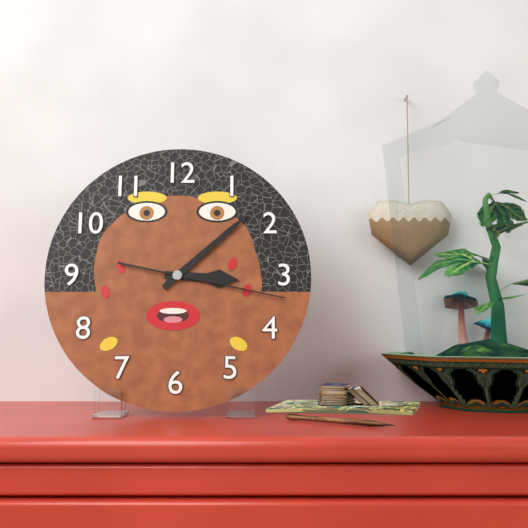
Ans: {"hour": 3, "minute": 8, "second": 17}
